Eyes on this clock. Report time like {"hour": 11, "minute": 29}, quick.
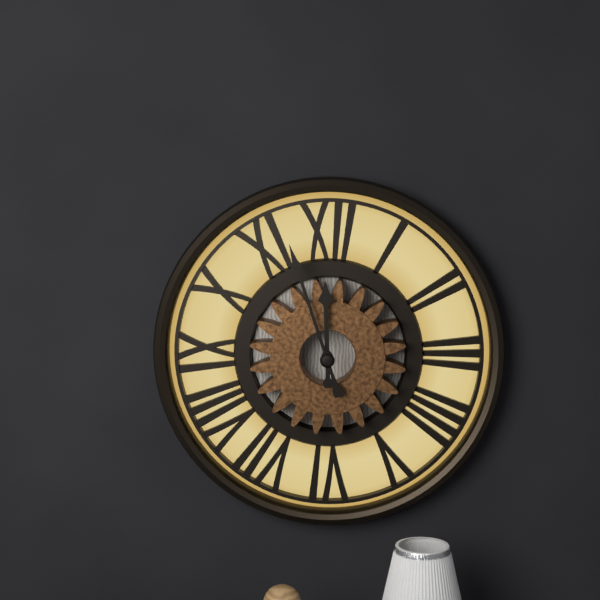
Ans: {"hour": 11, "minute": 57}
